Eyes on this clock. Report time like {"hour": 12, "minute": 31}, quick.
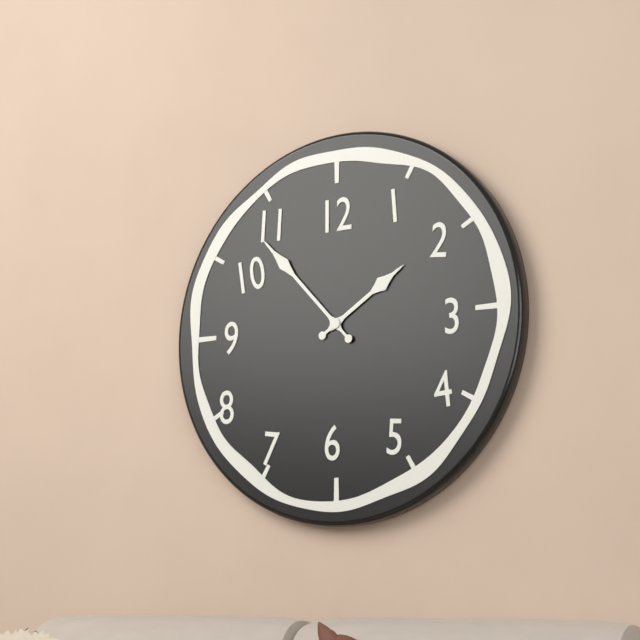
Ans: {"hour": 1, "minute": 53}
